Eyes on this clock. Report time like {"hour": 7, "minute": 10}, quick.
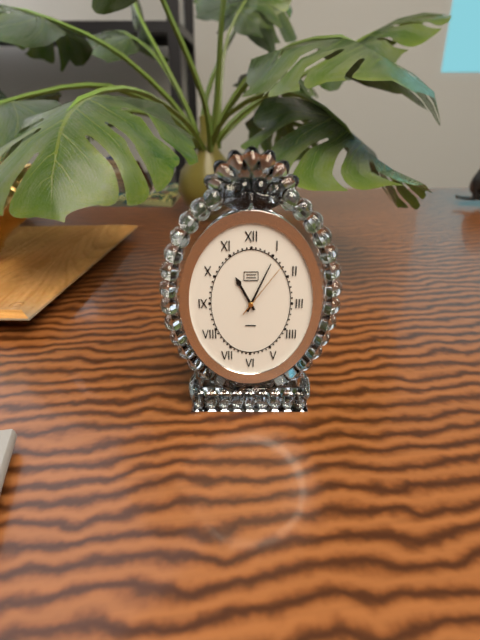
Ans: {"hour": 11, "minute": 4}
